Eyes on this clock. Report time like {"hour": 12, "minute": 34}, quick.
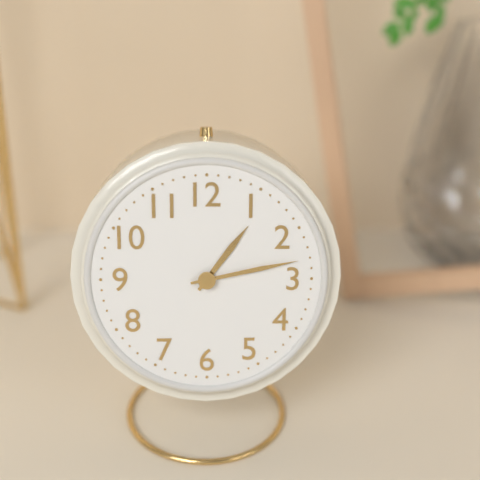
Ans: {"hour": 1, "minute": 13}
